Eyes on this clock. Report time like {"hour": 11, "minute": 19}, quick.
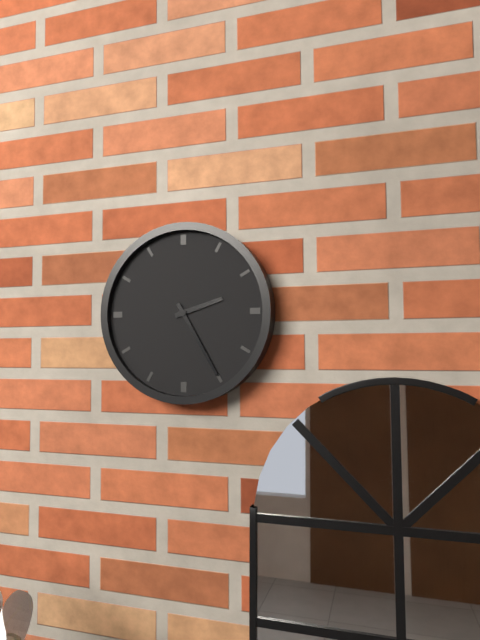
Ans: {"hour": 2, "minute": 25}
